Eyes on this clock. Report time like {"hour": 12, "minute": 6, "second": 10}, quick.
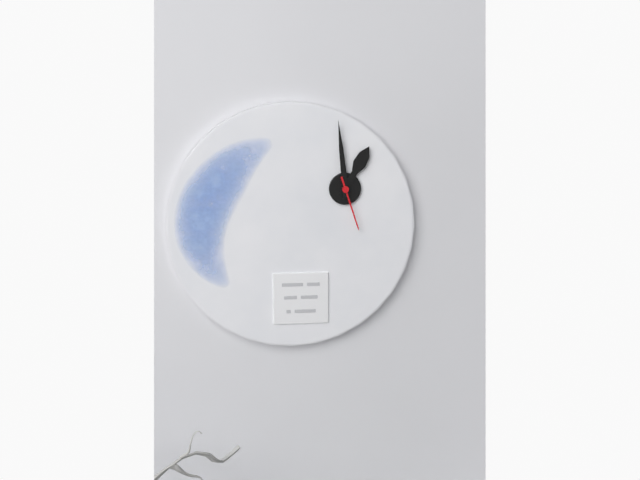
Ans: {"hour": 12, "minute": 59, "second": 27}
